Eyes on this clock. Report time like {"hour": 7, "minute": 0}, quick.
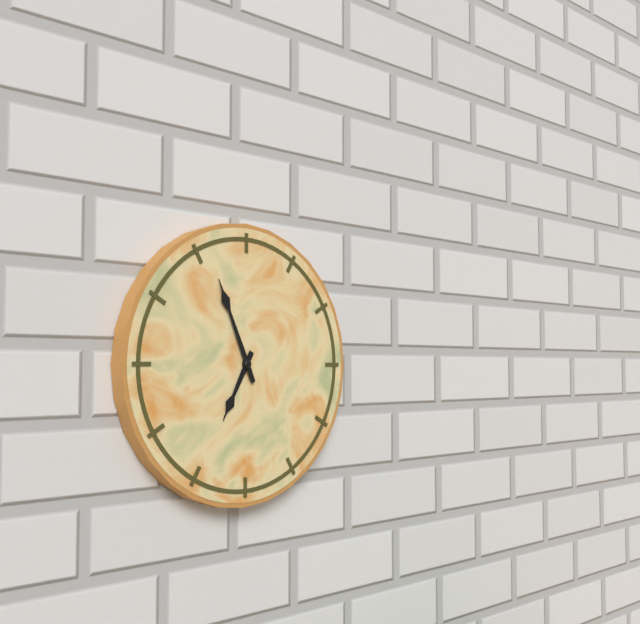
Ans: {"hour": 6, "minute": 56}
